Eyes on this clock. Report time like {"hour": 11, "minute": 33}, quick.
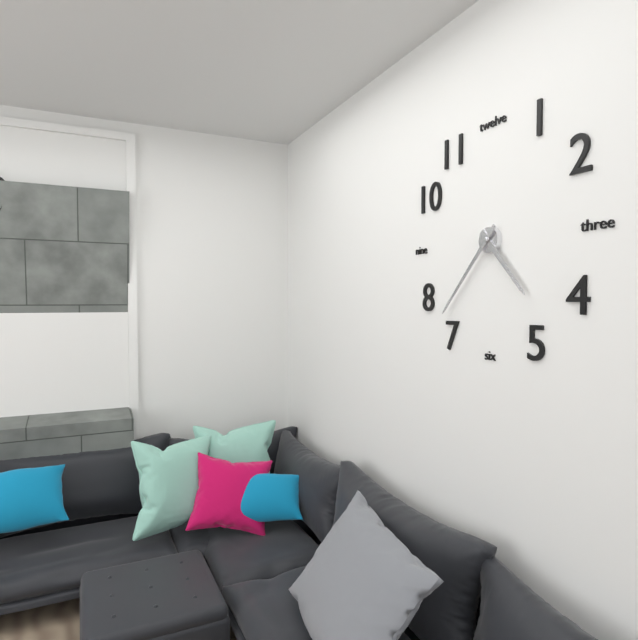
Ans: {"hour": 4, "minute": 37}
